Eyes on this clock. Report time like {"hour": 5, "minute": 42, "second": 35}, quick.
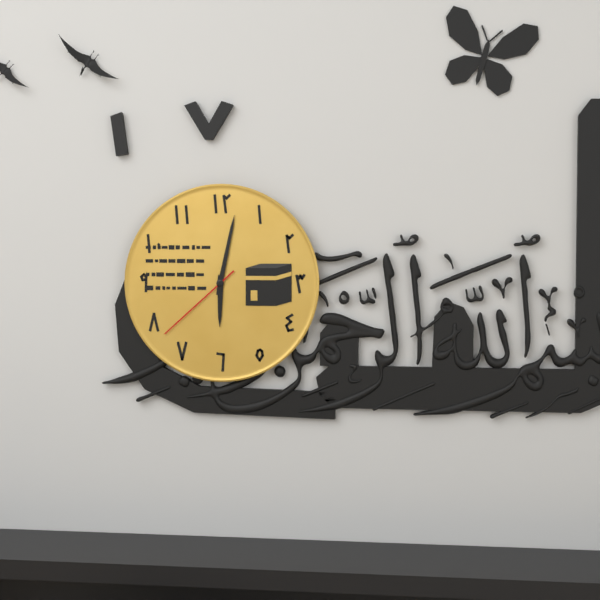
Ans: {"hour": 6, "minute": 2, "second": 38}
